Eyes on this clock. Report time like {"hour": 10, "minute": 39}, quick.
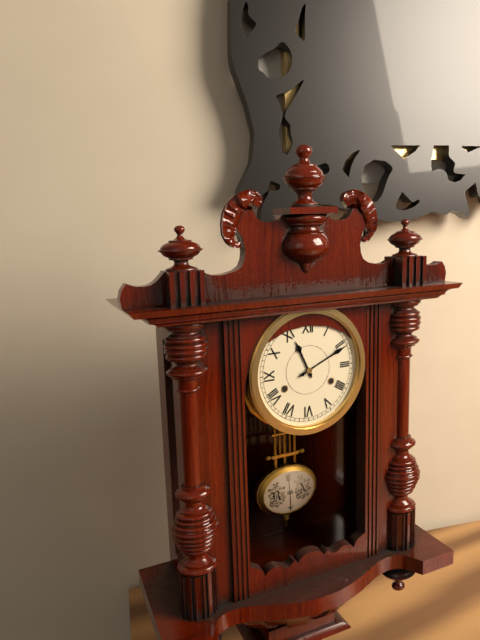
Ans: {"hour": 11, "minute": 11}
